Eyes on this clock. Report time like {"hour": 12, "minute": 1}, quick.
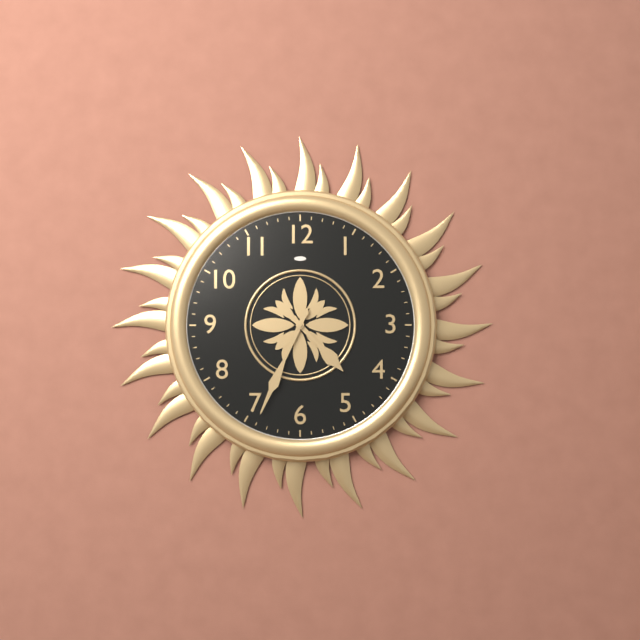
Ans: {"hour": 4, "minute": 34}
